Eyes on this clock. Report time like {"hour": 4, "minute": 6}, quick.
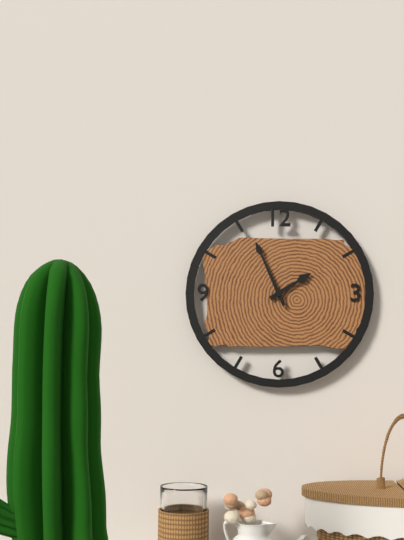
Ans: {"hour": 1, "minute": 56}
